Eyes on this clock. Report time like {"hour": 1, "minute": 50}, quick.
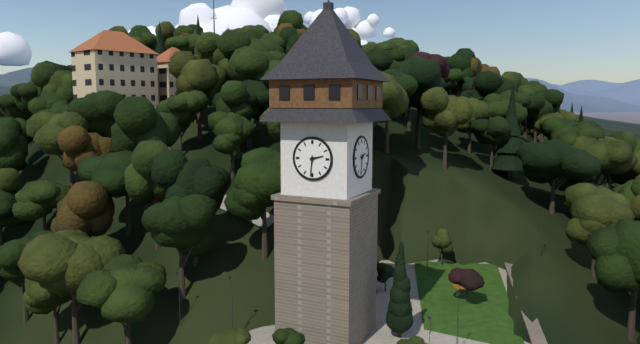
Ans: {"hour": 2, "minute": 31}
